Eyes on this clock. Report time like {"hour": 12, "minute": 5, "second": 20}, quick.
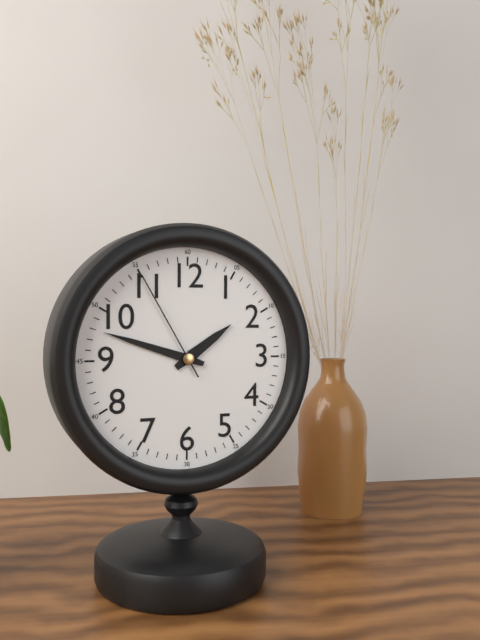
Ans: {"hour": 1, "minute": 48, "second": 55}
